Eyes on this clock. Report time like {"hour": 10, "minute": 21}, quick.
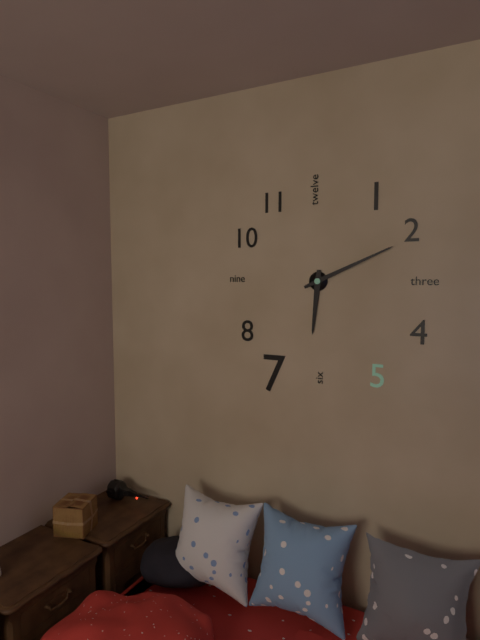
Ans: {"hour": 6, "minute": 11}
